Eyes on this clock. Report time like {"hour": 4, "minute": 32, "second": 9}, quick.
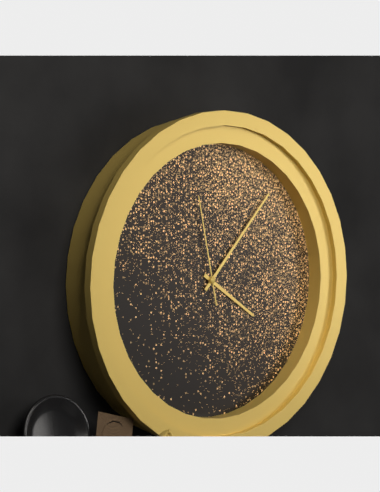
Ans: {"hour": 4, "minute": 7, "second": 58}
